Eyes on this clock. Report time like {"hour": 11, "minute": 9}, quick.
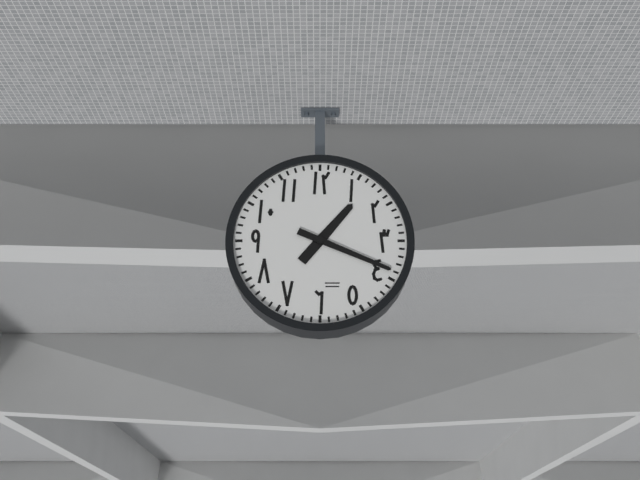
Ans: {"hour": 1, "minute": 19}
